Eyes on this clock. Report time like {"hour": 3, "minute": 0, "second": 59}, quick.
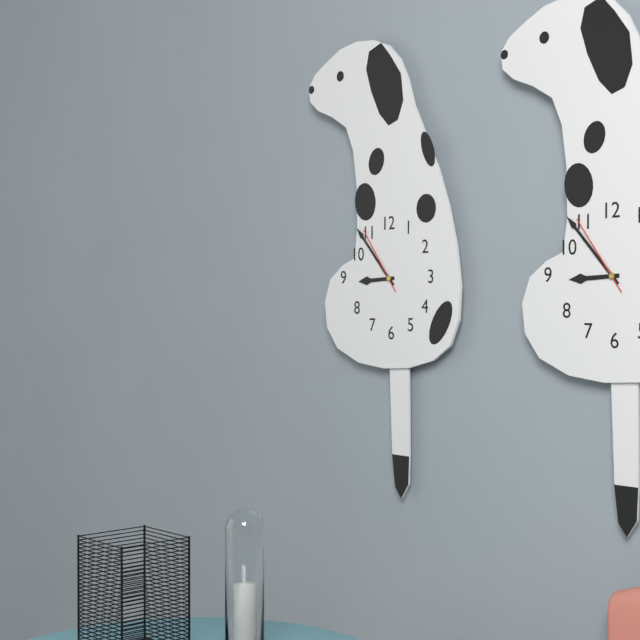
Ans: {"hour": 8, "minute": 53, "second": 54}
